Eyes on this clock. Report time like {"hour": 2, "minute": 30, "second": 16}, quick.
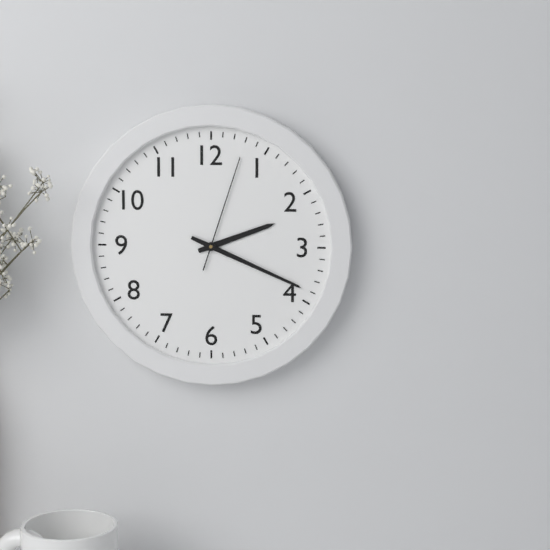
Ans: {"hour": 2, "minute": 19, "second": 3}
